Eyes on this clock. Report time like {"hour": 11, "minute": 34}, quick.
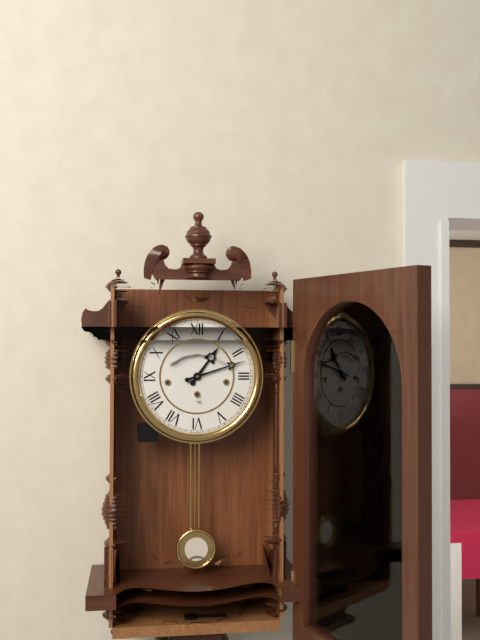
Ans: {"hour": 1, "minute": 12}
